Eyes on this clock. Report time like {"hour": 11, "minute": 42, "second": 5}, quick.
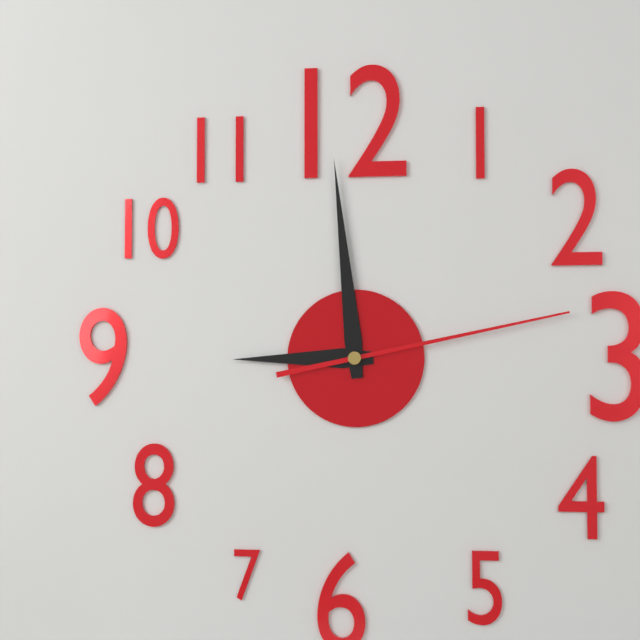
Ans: {"hour": 8, "minute": 59, "second": 13}
